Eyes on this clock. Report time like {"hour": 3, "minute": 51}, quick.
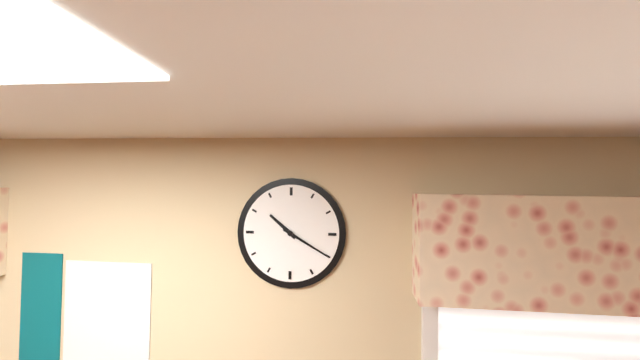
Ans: {"hour": 10, "minute": 20}
